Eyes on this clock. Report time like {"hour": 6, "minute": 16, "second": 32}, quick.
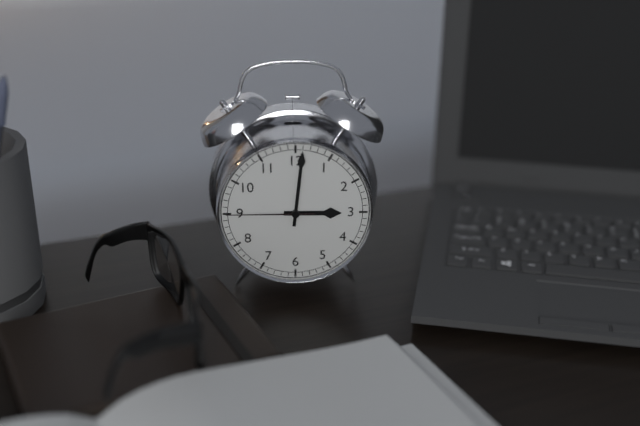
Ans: {"hour": 3, "minute": 1, "second": 45}
